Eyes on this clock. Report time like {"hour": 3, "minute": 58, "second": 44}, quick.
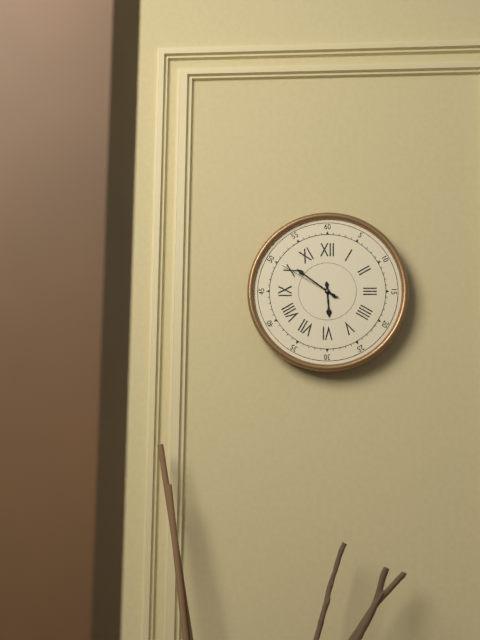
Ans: {"hour": 5, "minute": 51, "second": 50}
